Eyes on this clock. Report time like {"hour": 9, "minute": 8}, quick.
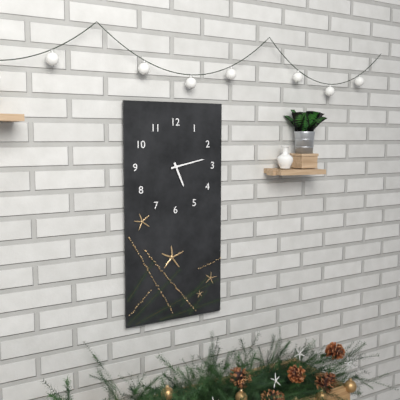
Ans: {"hour": 5, "minute": 13}
